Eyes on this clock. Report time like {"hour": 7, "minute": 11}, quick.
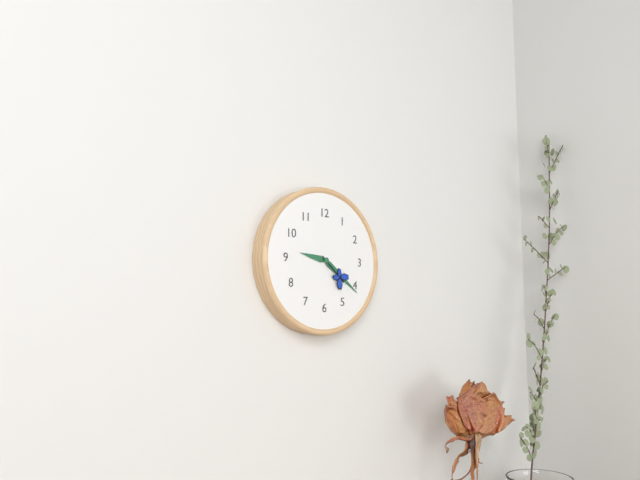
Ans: {"hour": 9, "minute": 21}
